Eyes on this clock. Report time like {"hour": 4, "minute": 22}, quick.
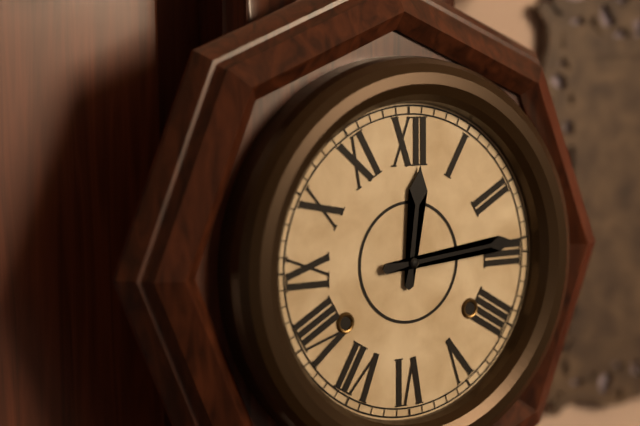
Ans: {"hour": 12, "minute": 14}
